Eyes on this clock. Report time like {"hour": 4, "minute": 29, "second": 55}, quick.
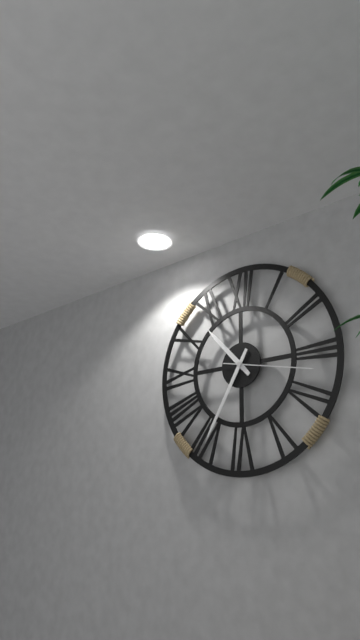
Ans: {"hour": 10, "minute": 35, "second": 17}
